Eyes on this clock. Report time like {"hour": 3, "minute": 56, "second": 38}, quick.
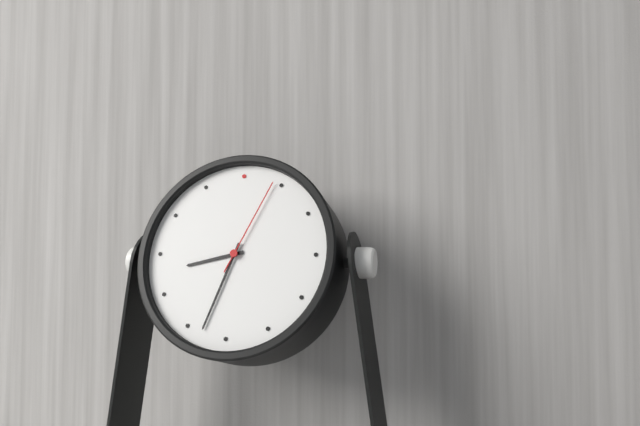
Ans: {"hour": 8, "minute": 33, "second": 4}
